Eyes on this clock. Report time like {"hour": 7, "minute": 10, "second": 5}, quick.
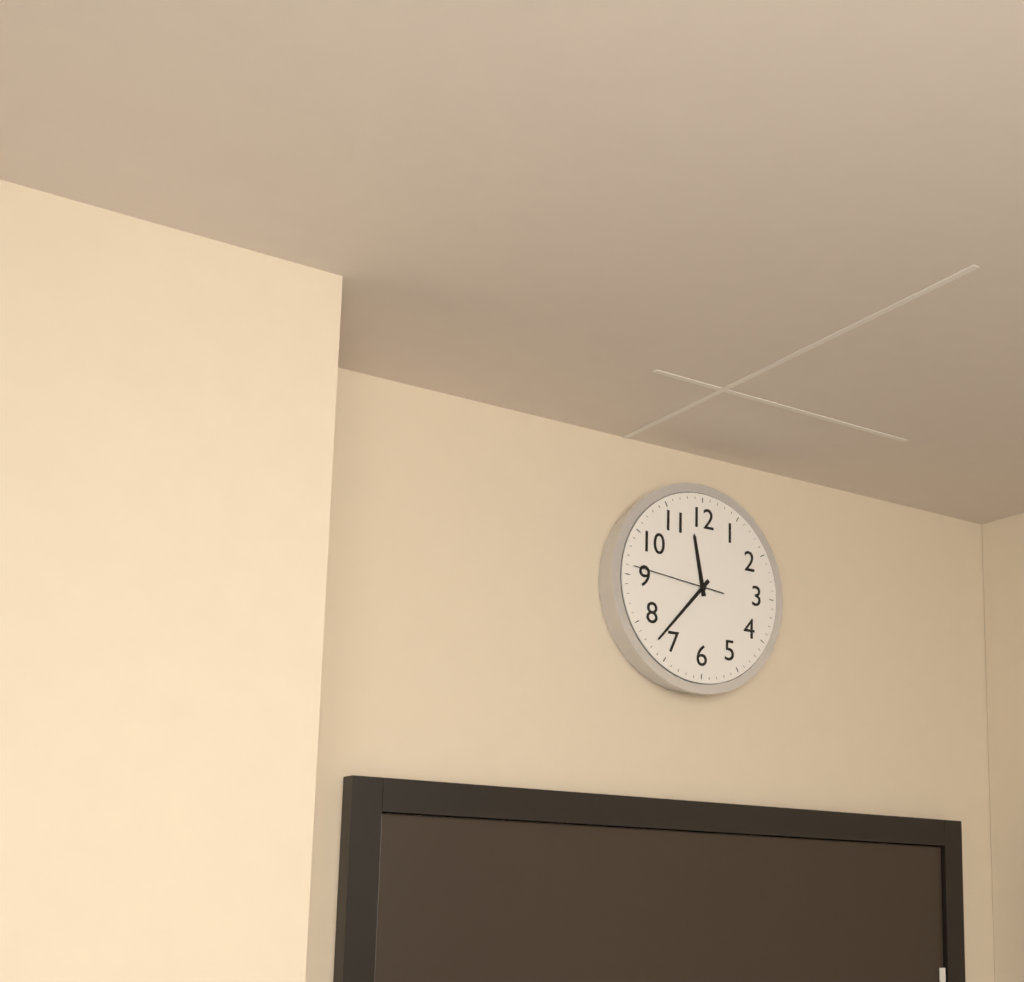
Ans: {"hour": 11, "minute": 37, "second": 46}
